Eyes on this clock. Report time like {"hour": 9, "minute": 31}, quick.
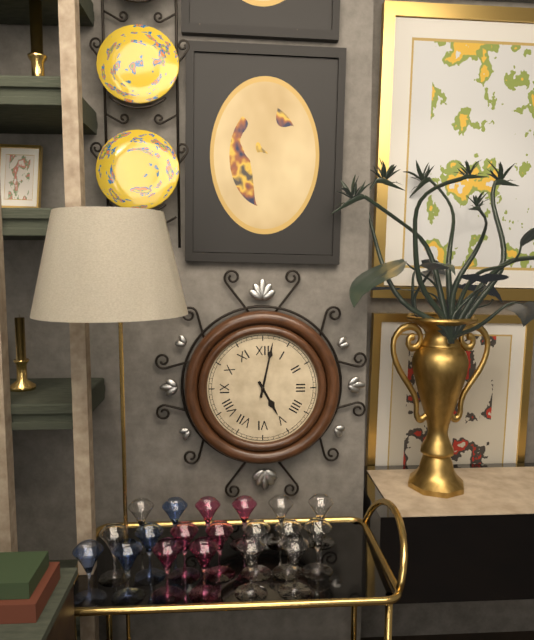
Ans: {"hour": 5, "minute": 2}
